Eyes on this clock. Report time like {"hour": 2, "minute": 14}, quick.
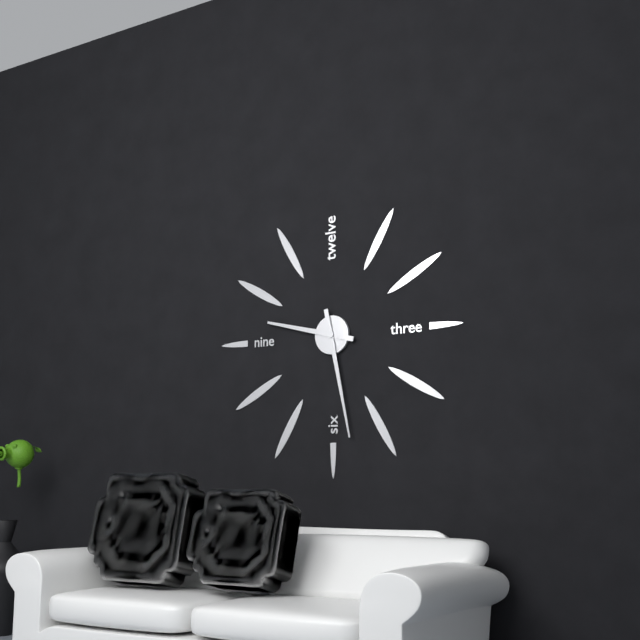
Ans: {"hour": 9, "minute": 28}
